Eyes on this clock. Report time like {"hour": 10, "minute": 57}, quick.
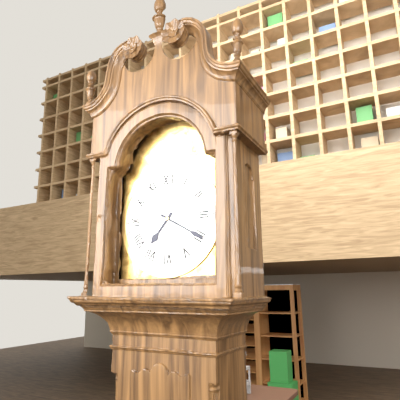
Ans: {"hour": 7, "minute": 20}
